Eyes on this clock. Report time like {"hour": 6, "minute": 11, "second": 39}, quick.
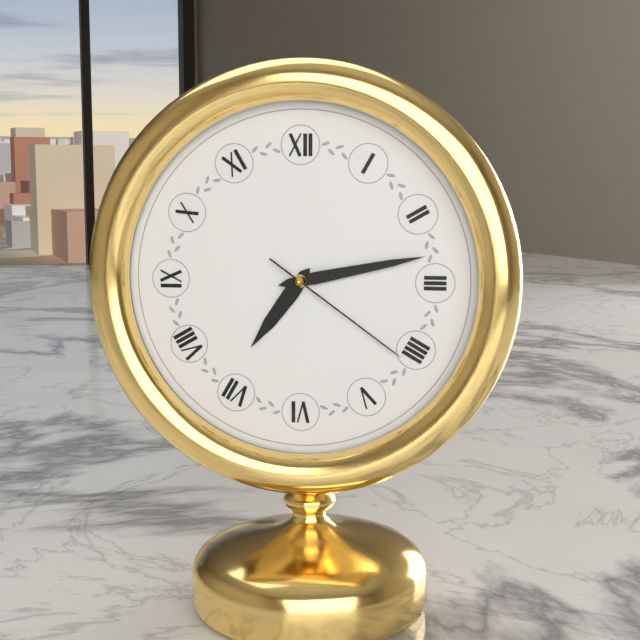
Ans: {"hour": 7, "minute": 13, "second": 21}
